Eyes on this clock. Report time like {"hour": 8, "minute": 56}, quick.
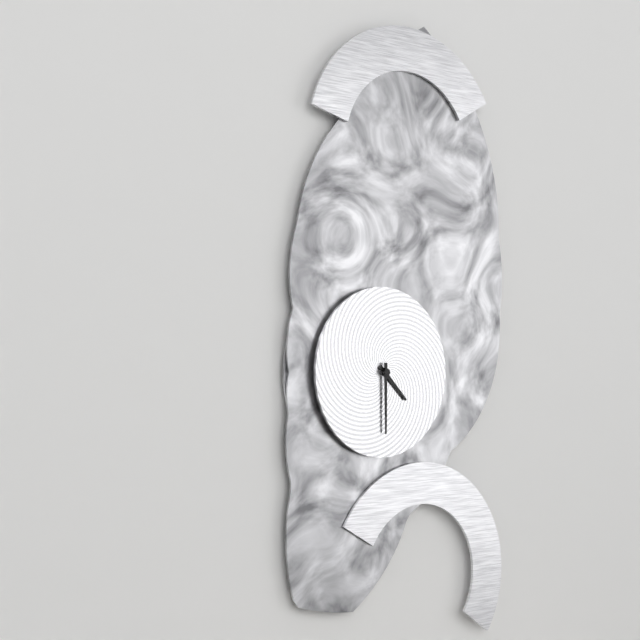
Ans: {"hour": 4, "minute": 30}
